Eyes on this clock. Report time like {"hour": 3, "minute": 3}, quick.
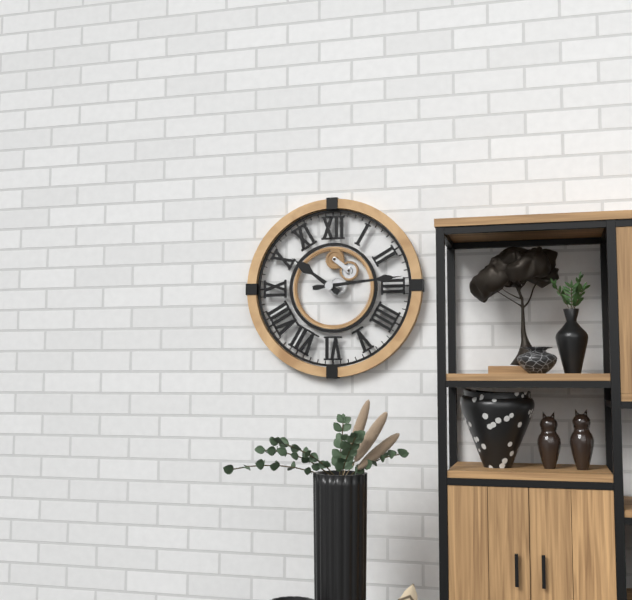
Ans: {"hour": 10, "minute": 14}
